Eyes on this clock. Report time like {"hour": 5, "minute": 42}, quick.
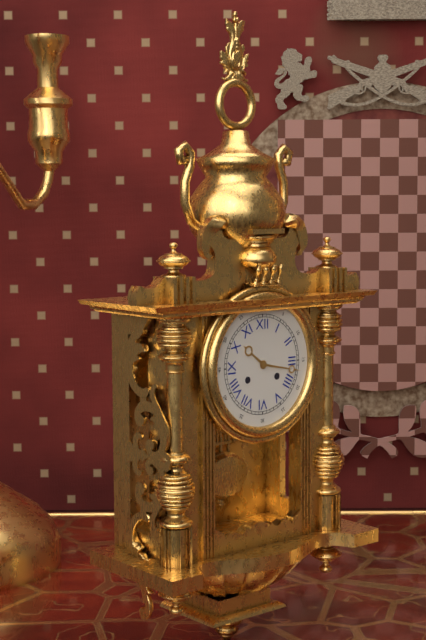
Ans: {"hour": 10, "minute": 17}
